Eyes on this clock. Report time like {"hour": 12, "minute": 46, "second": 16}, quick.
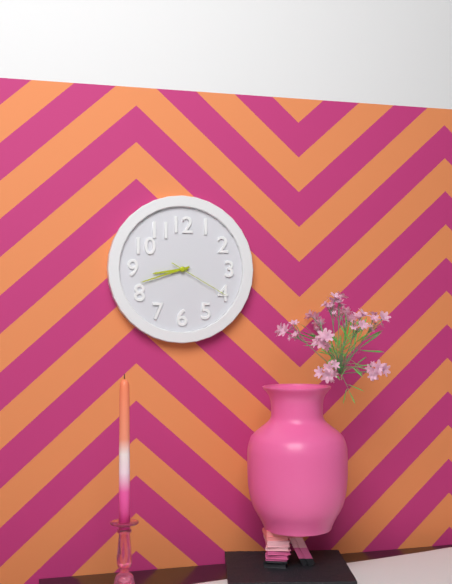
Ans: {"hour": 8, "minute": 42, "second": 20}
